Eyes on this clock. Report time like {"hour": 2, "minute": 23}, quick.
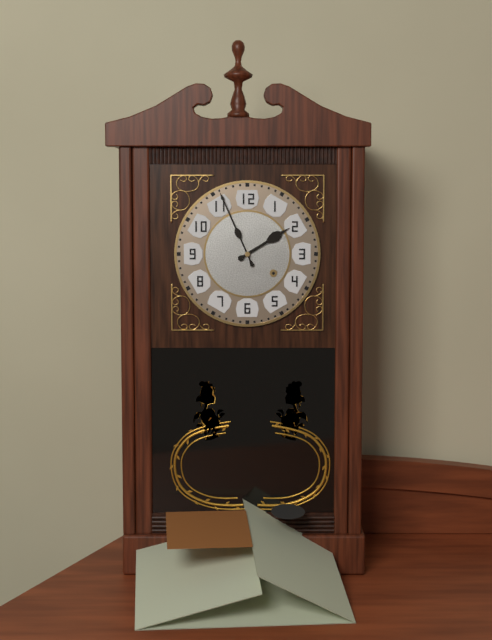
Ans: {"hour": 1, "minute": 56}
